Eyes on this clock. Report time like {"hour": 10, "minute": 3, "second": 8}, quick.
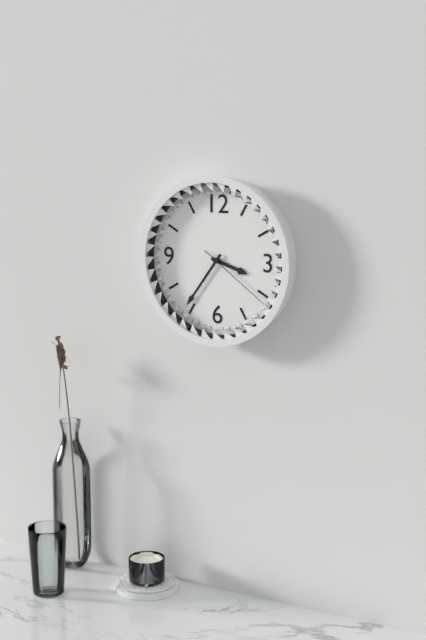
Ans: {"hour": 3, "minute": 36, "second": 21}
